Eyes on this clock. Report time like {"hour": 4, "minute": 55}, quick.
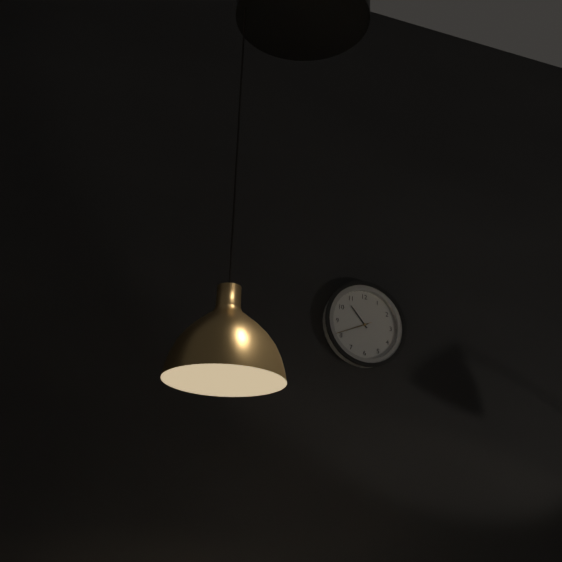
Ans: {"hour": 10, "minute": 41}
